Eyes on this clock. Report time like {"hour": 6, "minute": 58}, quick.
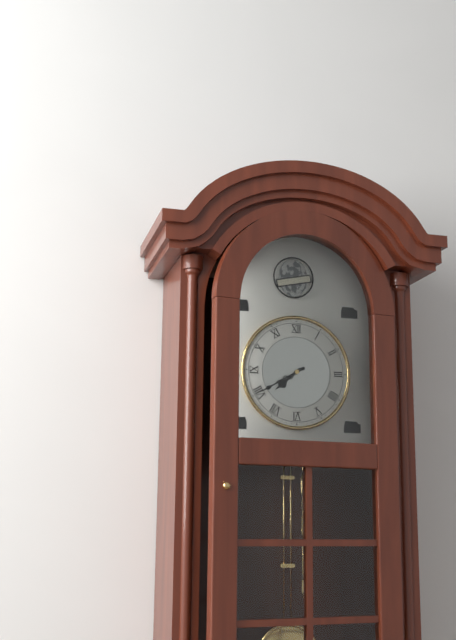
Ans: {"hour": 7, "minute": 40}
